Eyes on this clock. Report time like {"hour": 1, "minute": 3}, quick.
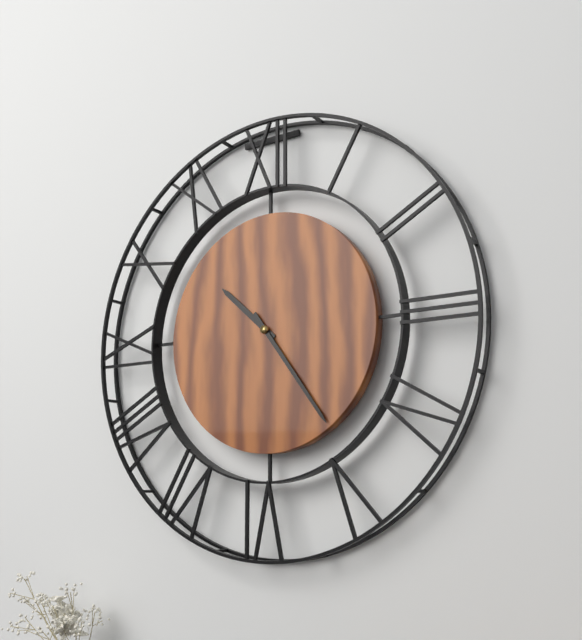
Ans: {"hour": 10, "minute": 24}
